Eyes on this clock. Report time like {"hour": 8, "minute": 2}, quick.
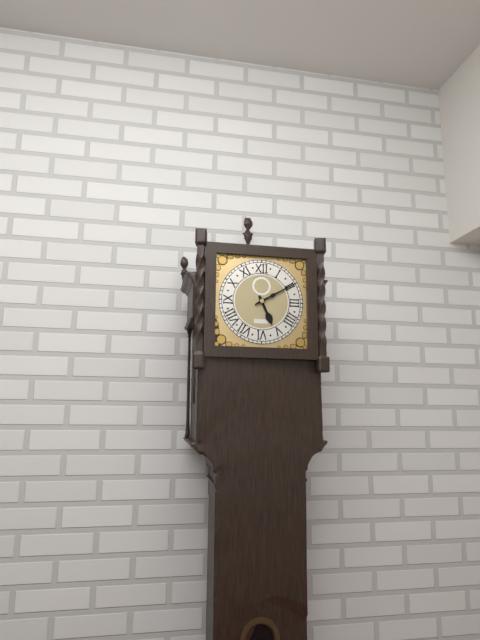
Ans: {"hour": 5, "minute": 10}
